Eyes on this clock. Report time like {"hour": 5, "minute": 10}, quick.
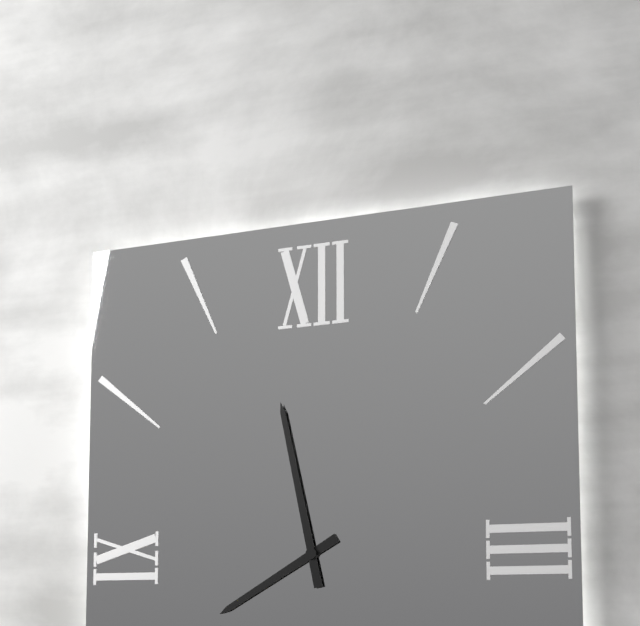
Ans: {"hour": 7, "minute": 58}
